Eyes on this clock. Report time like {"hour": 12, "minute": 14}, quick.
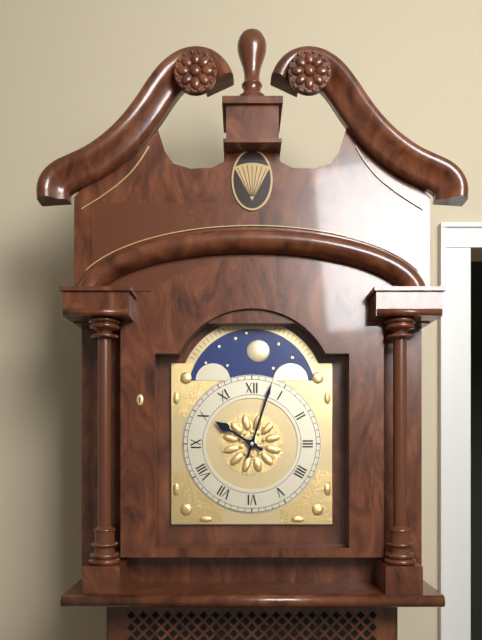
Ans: {"hour": 10, "minute": 3}
